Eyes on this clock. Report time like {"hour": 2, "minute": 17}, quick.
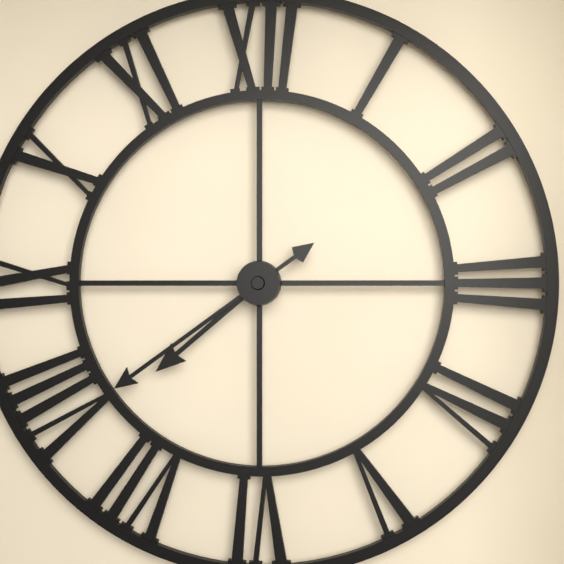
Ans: {"hour": 7, "minute": 39}
